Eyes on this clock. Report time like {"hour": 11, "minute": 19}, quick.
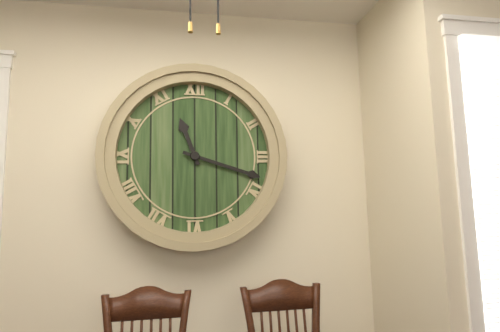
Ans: {"hour": 11, "minute": 18}
